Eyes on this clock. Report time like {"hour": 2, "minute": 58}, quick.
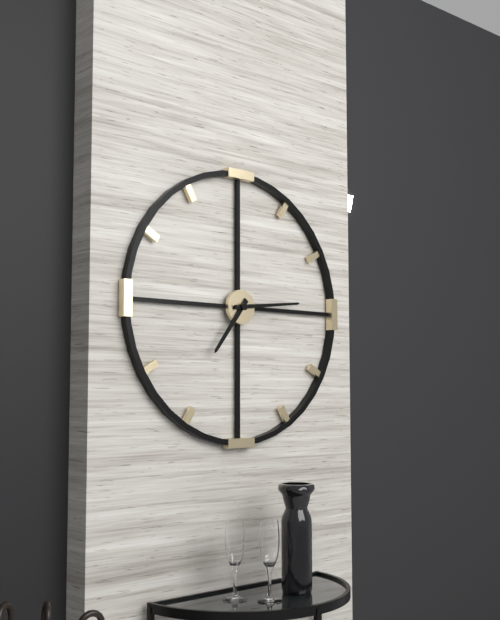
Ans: {"hour": 7, "minute": 14}
